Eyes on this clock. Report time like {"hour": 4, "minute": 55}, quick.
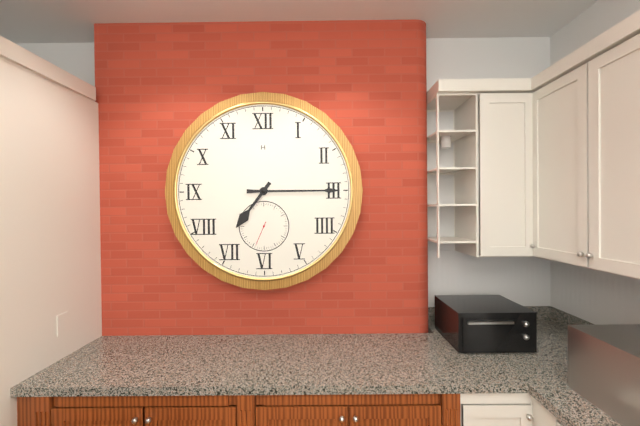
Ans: {"hour": 7, "minute": 15}
